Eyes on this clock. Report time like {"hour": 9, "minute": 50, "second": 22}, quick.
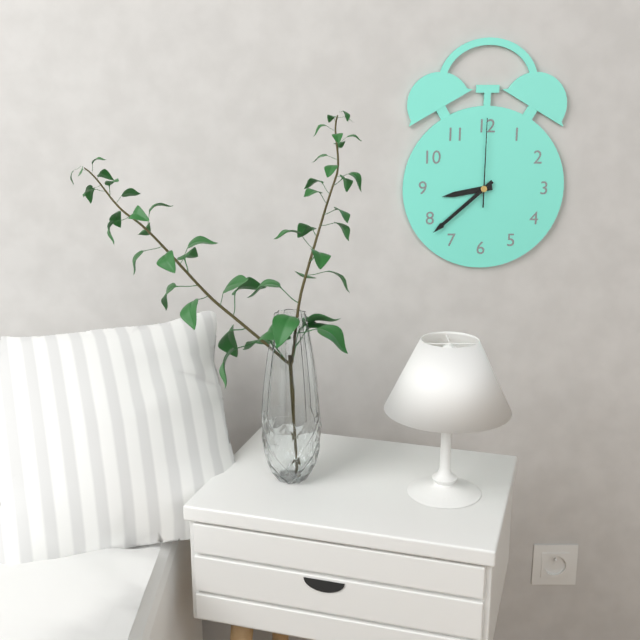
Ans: {"hour": 8, "minute": 38, "second": 0}
